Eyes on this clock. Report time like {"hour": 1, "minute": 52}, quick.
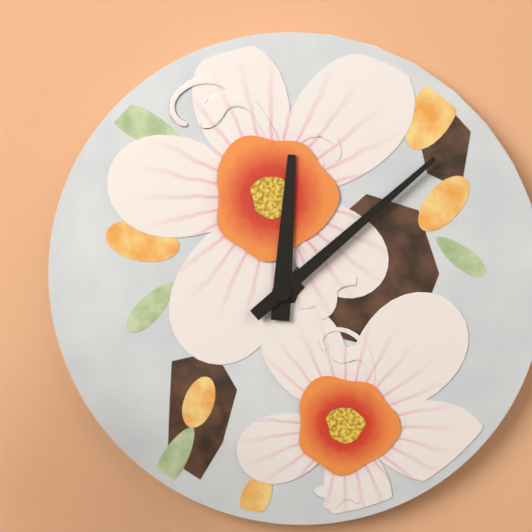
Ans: {"hour": 12, "minute": 8}
